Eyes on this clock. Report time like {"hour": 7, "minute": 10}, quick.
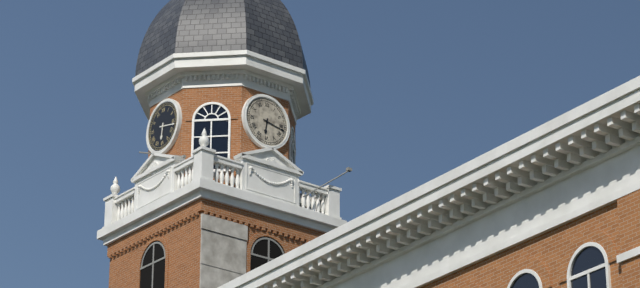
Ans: {"hour": 6, "minute": 17}
